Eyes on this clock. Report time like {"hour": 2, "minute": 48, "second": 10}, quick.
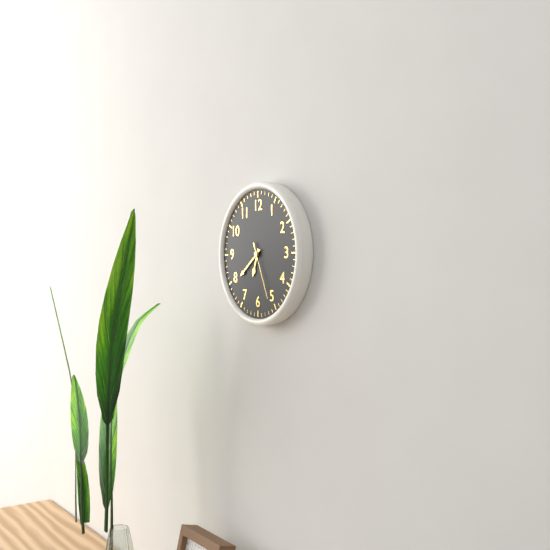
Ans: {"hour": 6, "minute": 39, "second": 26}
